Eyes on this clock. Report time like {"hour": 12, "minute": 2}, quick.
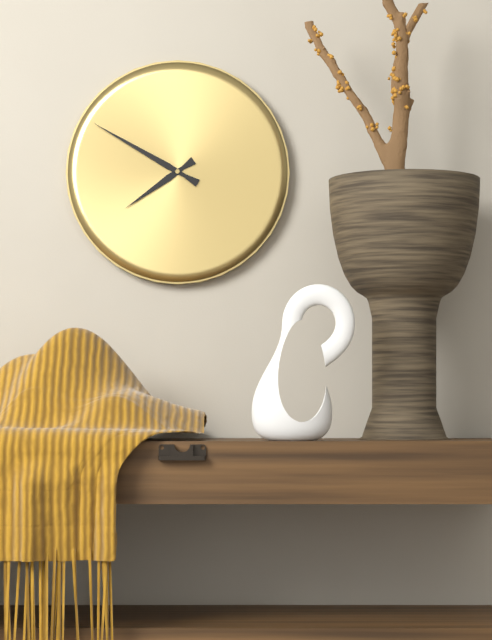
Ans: {"hour": 7, "minute": 50}
